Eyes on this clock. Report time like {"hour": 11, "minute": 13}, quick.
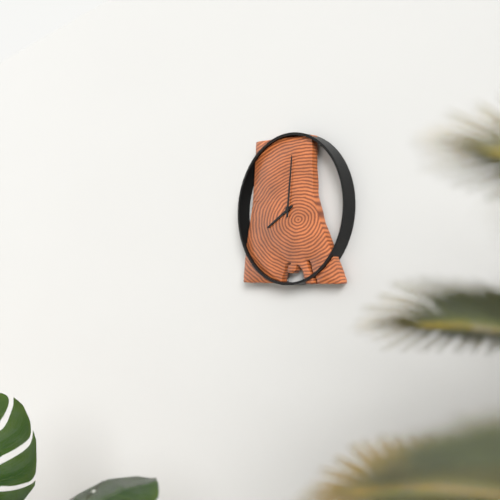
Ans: {"hour": 8, "minute": 1}
